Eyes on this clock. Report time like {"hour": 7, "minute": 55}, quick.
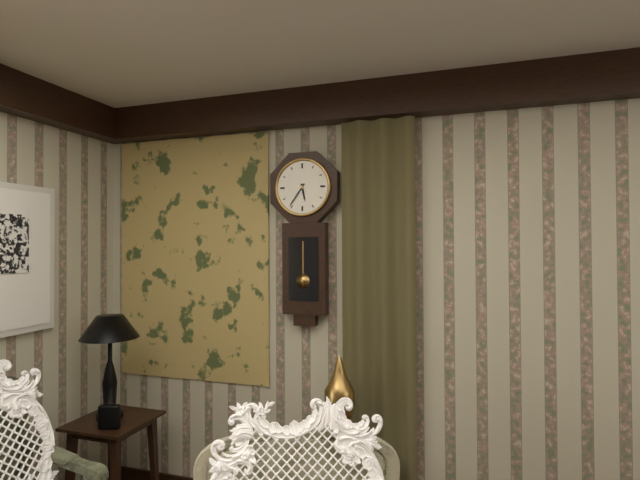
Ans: {"hour": 5, "minute": 36}
